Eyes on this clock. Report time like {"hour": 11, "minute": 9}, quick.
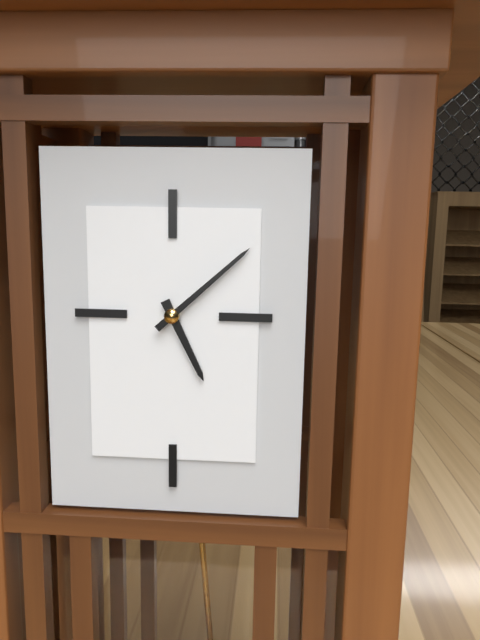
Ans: {"hour": 5, "minute": 8}
